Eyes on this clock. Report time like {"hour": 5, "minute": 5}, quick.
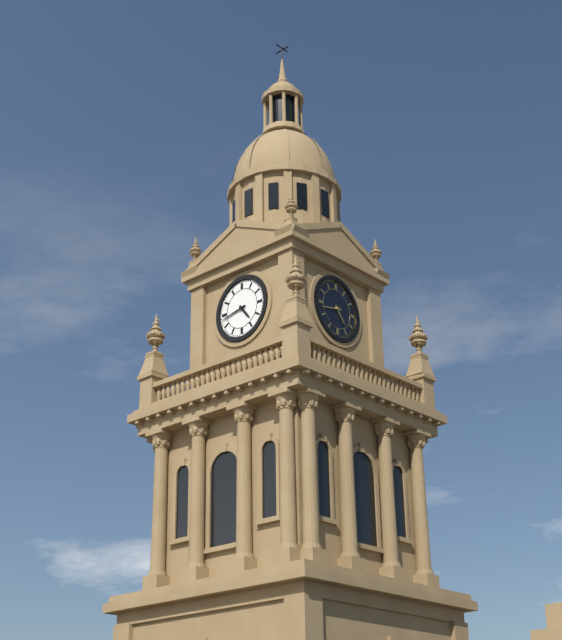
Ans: {"hour": 4, "minute": 43}
